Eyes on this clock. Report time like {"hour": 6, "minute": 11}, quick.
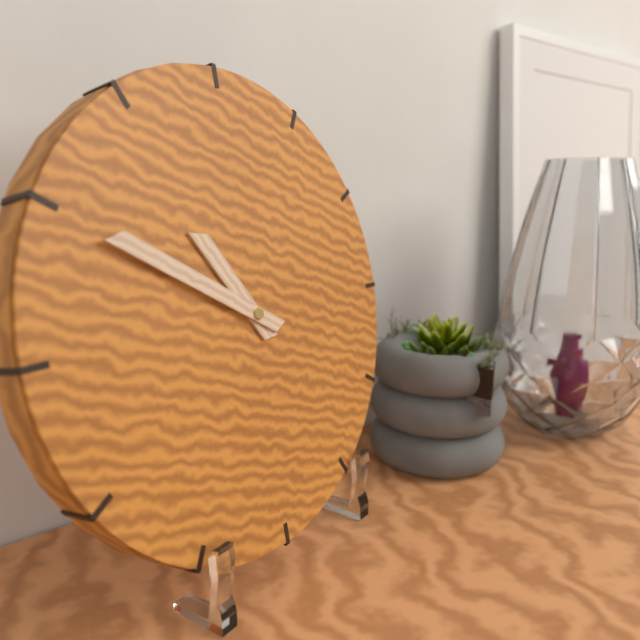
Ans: {"hour": 10, "minute": 50}
